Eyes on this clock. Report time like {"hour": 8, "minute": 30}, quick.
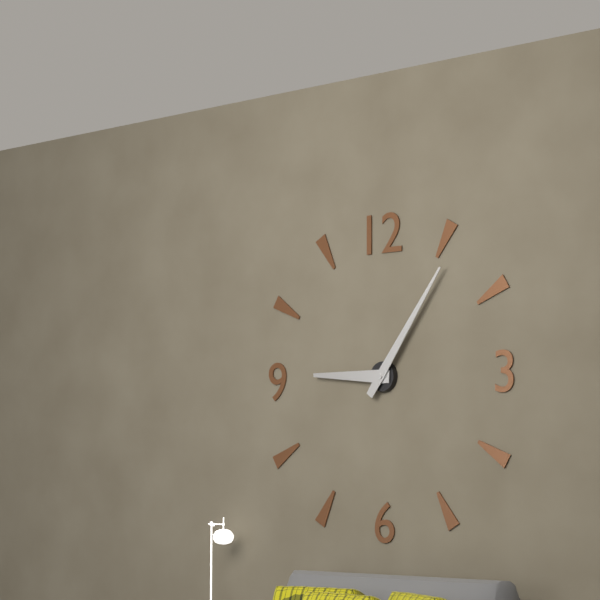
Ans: {"hour": 9, "minute": 6}
